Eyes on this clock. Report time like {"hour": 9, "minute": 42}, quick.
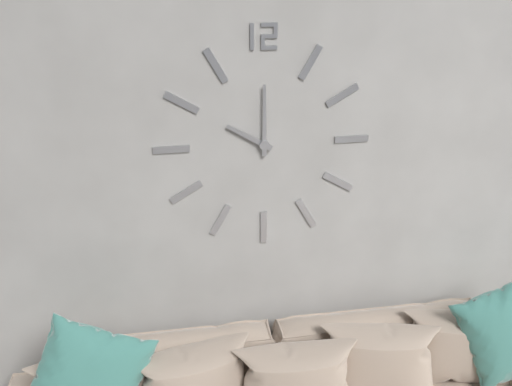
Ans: {"hour": 10, "minute": 0}
